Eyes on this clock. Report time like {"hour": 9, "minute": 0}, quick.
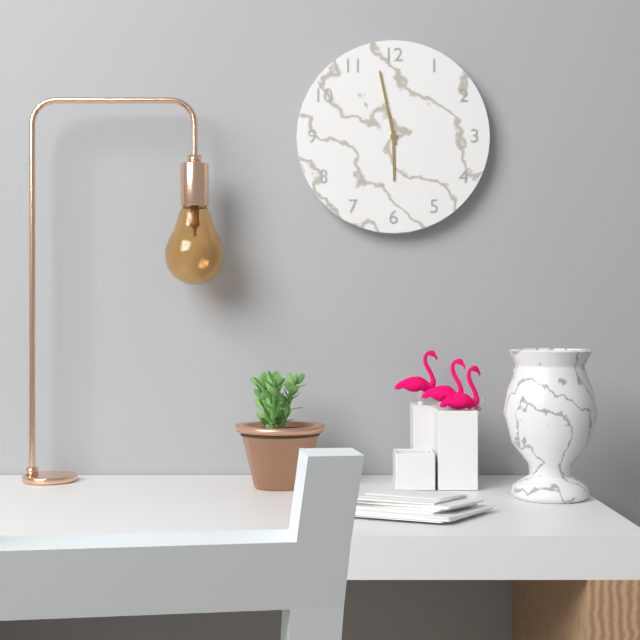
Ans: {"hour": 5, "minute": 58}
